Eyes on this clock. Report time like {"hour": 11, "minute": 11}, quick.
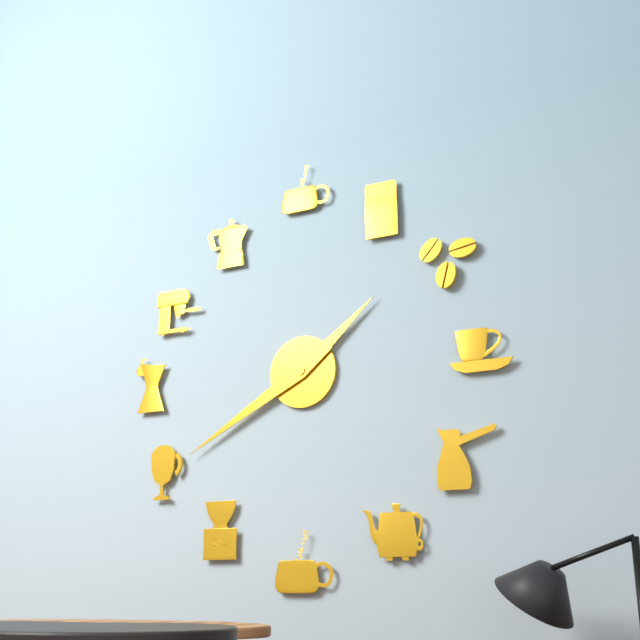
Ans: {"hour": 1, "minute": 40}
